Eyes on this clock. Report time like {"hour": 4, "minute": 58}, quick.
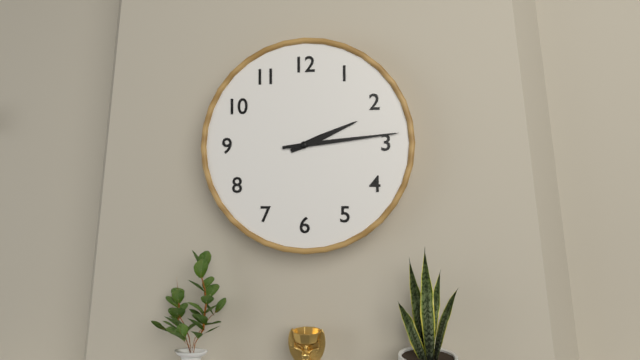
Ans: {"hour": 2, "minute": 14}
